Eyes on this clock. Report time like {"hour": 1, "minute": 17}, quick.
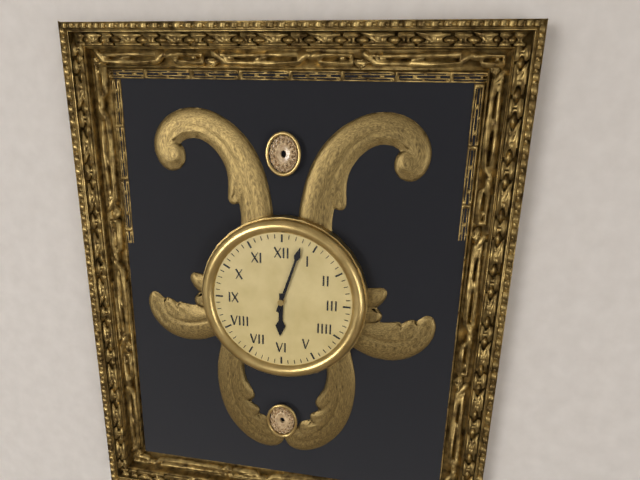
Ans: {"hour": 6, "minute": 3}
